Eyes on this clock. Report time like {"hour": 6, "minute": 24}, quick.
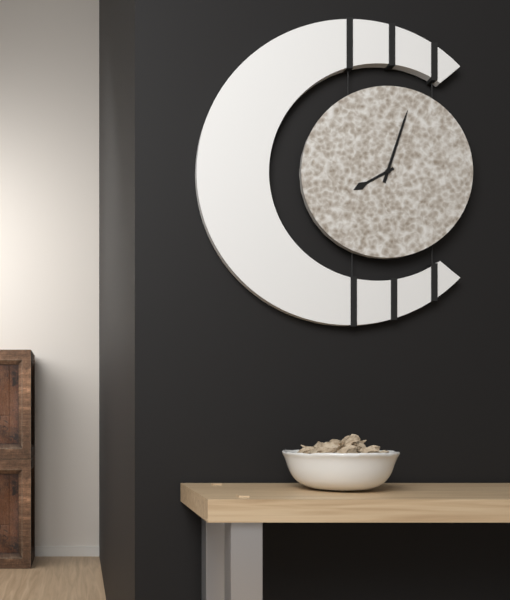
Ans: {"hour": 8, "minute": 3}
